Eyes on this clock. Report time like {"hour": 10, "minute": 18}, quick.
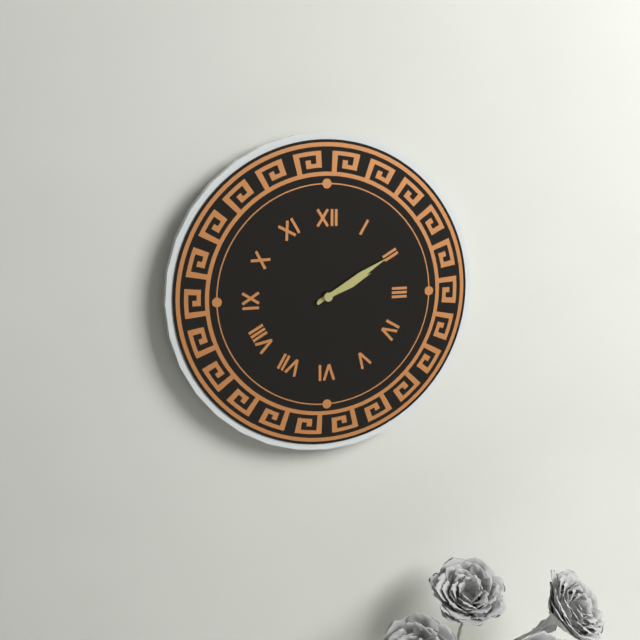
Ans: {"hour": 2, "minute": 10}
